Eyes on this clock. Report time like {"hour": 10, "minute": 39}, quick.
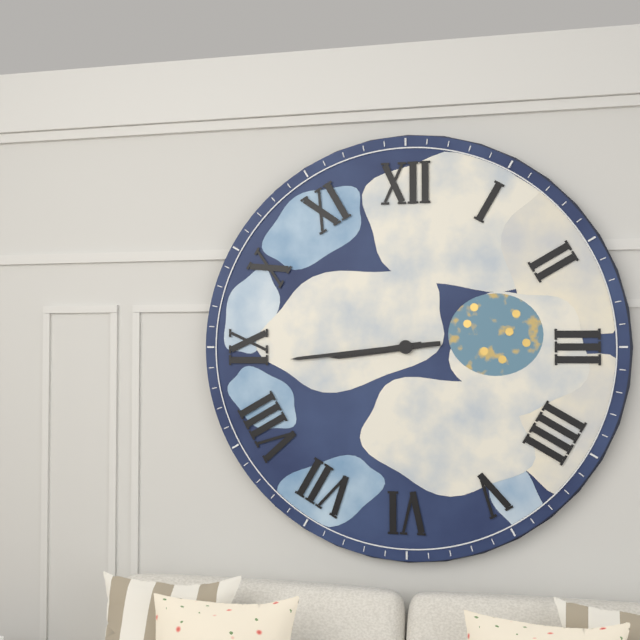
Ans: {"hour": 8, "minute": 44}
